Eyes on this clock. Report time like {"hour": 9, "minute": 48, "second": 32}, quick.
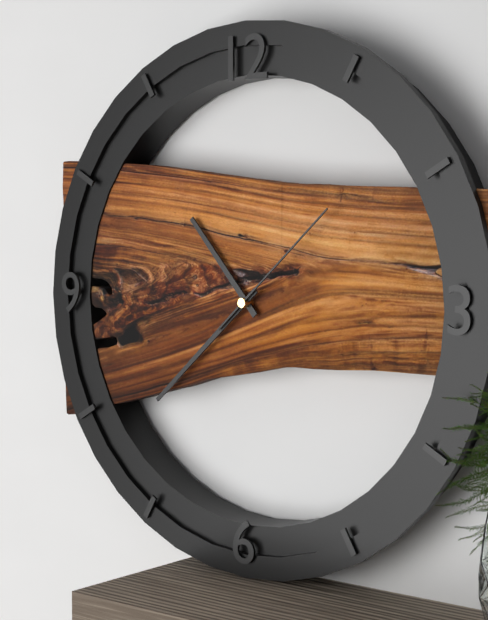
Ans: {"hour": 10, "minute": 38, "second": 8}
